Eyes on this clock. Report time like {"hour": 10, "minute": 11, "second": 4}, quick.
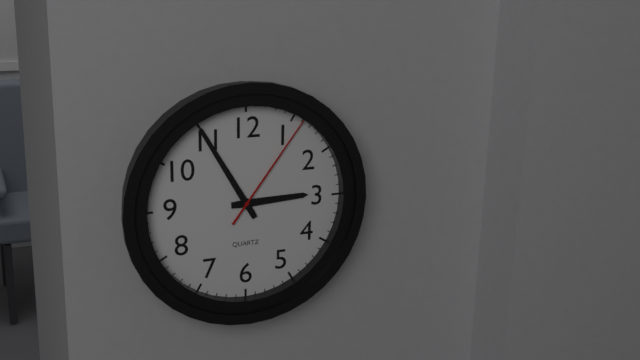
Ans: {"hour": 2, "minute": 55, "second": 6}
